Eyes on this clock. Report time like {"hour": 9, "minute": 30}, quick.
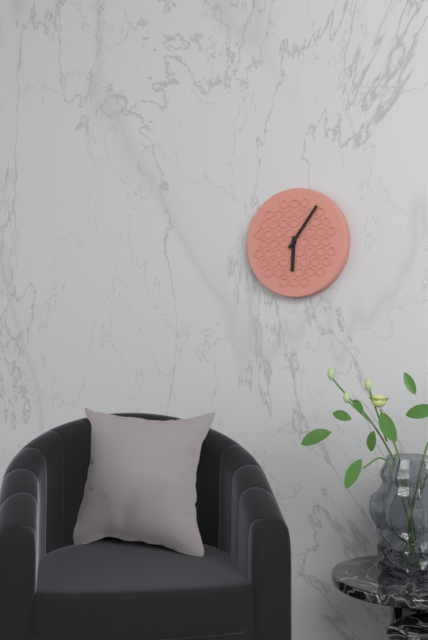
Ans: {"hour": 6, "minute": 6}
